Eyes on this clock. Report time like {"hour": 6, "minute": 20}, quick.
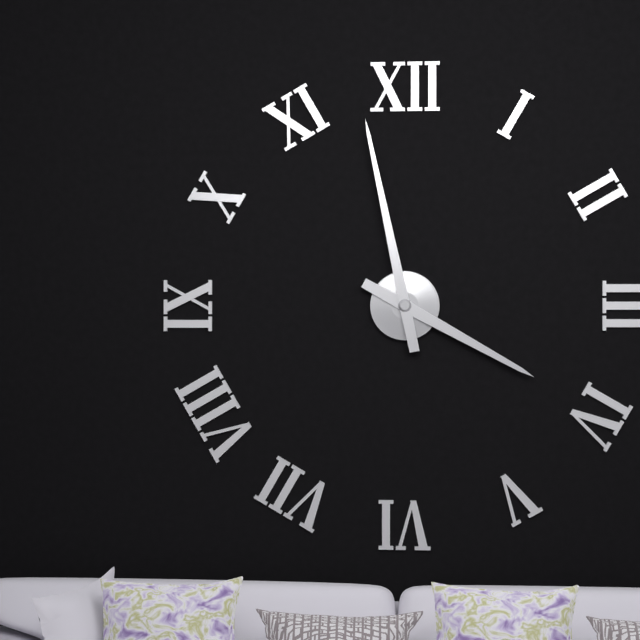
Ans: {"hour": 3, "minute": 58}
